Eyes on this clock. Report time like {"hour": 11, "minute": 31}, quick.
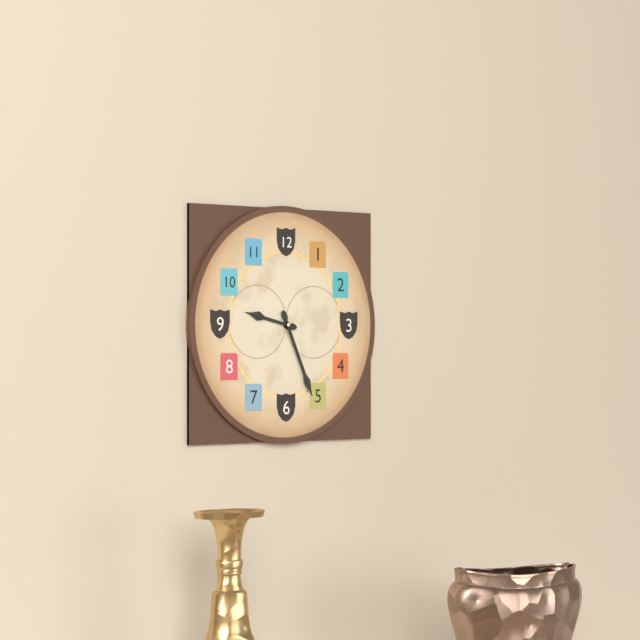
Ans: {"hour": 9, "minute": 26}
